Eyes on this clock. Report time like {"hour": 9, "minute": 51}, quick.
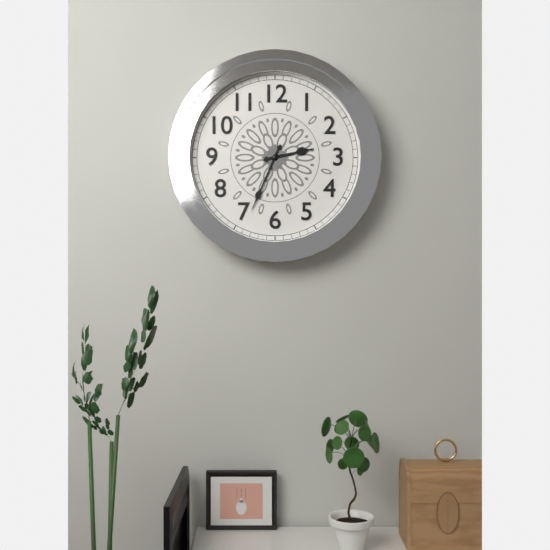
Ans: {"hour": 2, "minute": 34}
